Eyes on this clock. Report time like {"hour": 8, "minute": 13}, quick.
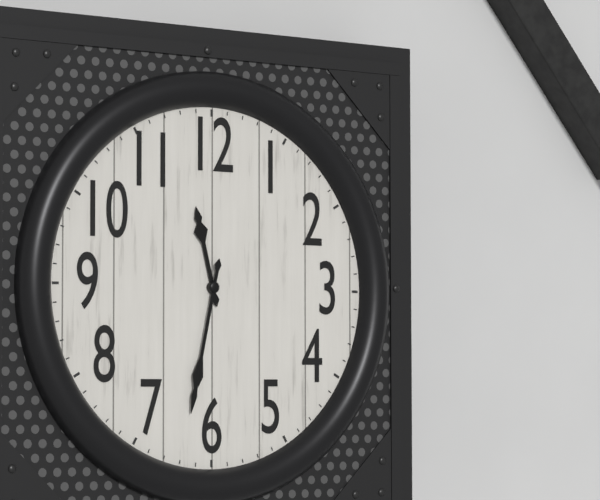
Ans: {"hour": 11, "minute": 32}
